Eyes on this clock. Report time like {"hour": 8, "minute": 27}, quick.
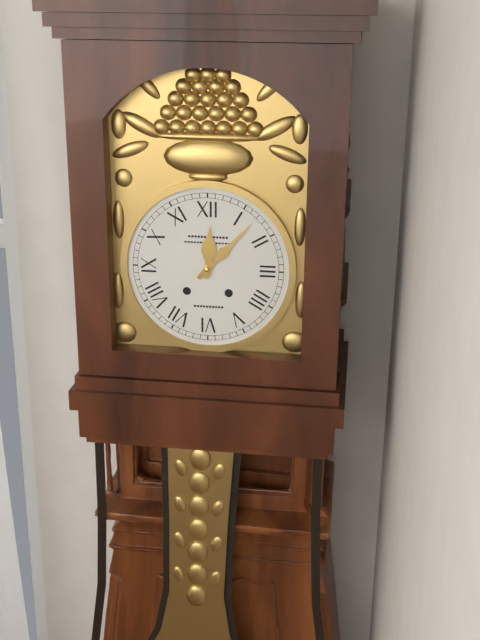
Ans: {"hour": 12, "minute": 7}
